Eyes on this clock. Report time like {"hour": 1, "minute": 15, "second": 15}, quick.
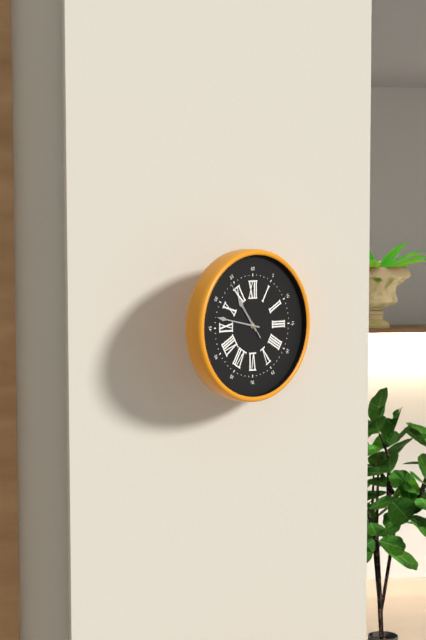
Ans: {"hour": 10, "minute": 47, "second": 54}
